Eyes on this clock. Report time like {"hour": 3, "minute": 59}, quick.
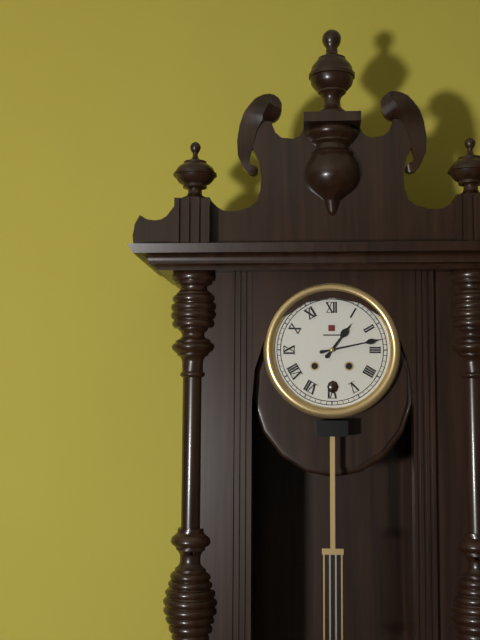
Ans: {"hour": 1, "minute": 13}
